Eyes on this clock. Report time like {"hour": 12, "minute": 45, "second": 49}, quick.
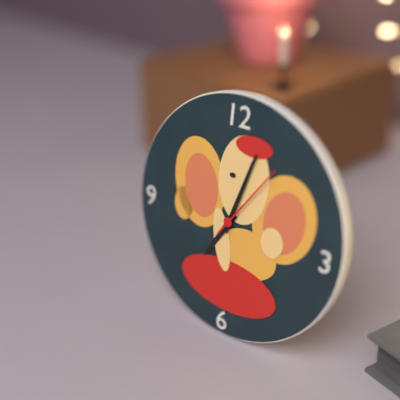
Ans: {"hour": 7, "minute": 3, "second": 6}
